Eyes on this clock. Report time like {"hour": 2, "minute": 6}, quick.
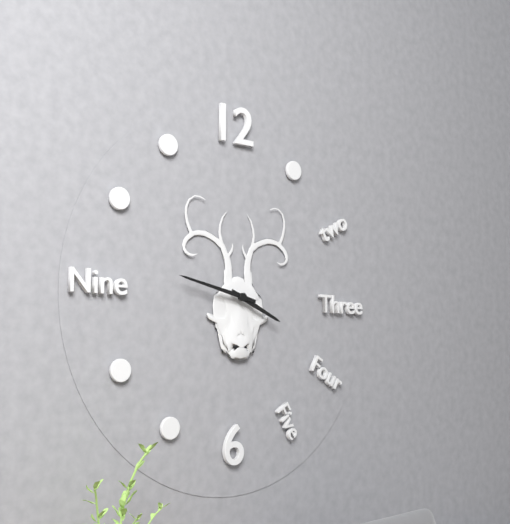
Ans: {"hour": 3, "minute": 47}
